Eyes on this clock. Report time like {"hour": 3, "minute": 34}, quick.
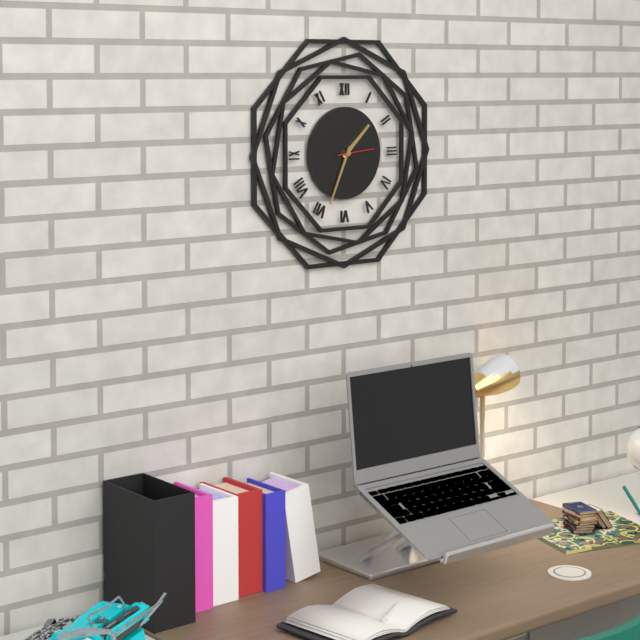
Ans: {"hour": 1, "minute": 34}
